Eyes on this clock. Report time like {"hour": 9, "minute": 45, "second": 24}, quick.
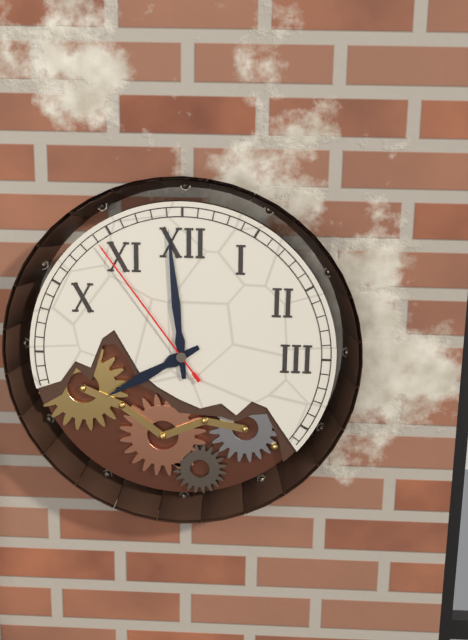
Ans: {"hour": 7, "minute": 59, "second": 54}
